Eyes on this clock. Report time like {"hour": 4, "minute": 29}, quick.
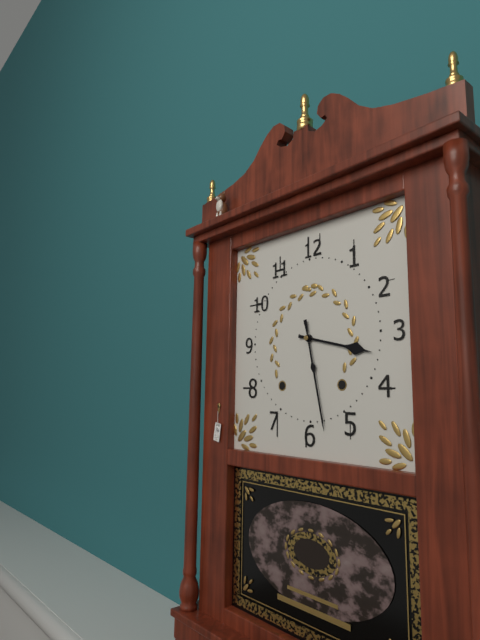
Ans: {"hour": 3, "minute": 28}
